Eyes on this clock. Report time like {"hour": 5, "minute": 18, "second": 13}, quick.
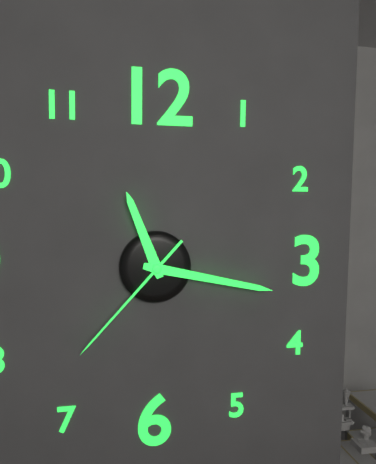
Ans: {"hour": 11, "minute": 17, "second": 37}
